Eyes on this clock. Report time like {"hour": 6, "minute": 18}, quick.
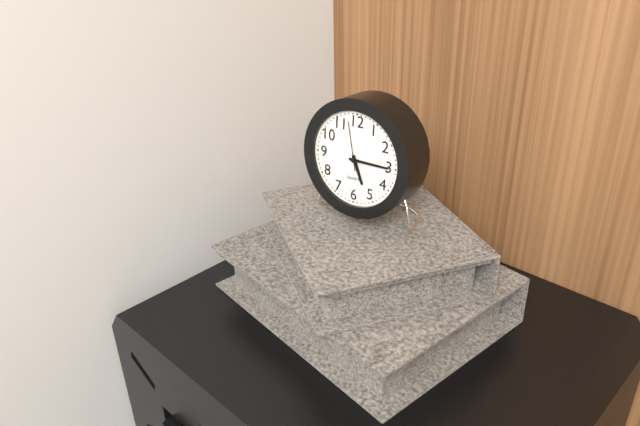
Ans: {"hour": 5, "minute": 15}
